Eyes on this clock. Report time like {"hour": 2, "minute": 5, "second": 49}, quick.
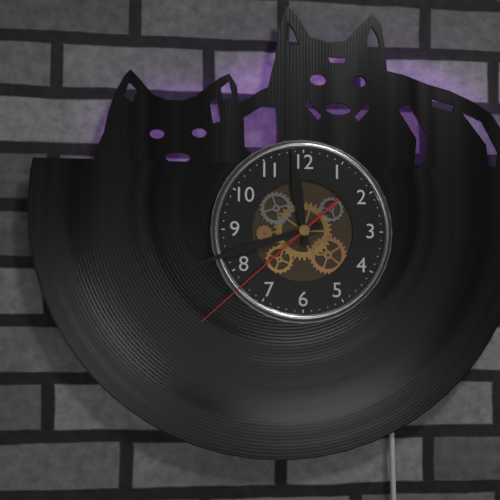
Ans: {"hour": 11, "minute": 42, "second": 38}
